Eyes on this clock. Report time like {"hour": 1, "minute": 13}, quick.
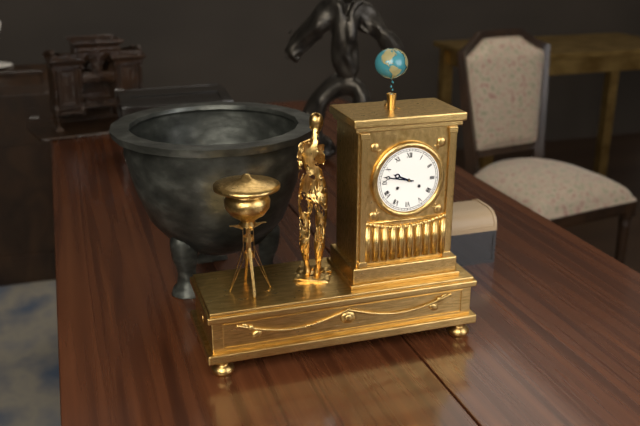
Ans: {"hour": 9, "minute": 47}
